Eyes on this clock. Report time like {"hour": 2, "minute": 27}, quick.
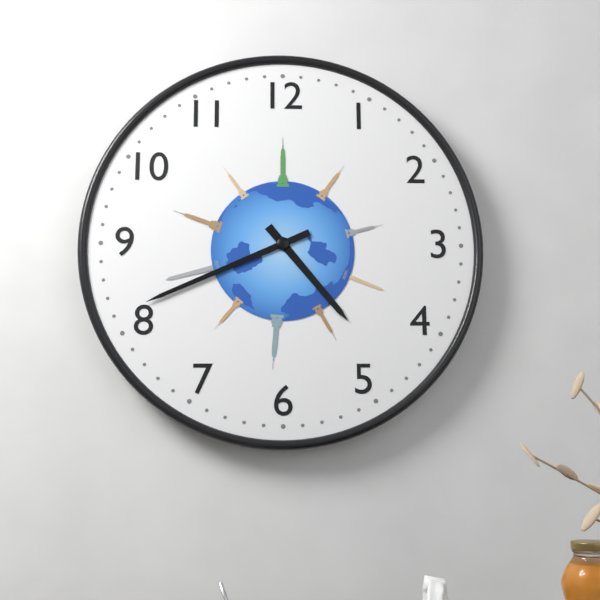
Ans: {"hour": 4, "minute": 41}
